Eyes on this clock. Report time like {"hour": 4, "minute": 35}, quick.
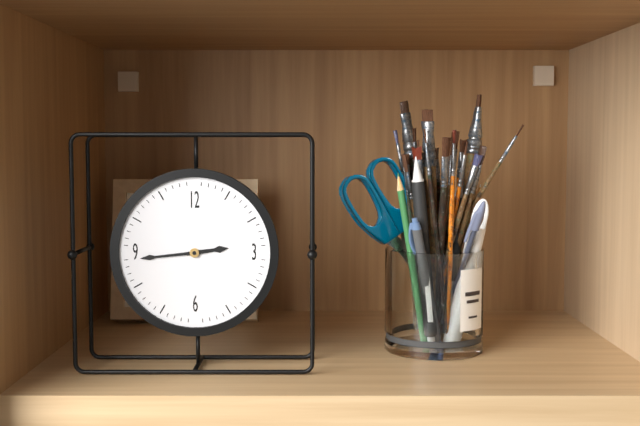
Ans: {"hour": 2, "minute": 44}
